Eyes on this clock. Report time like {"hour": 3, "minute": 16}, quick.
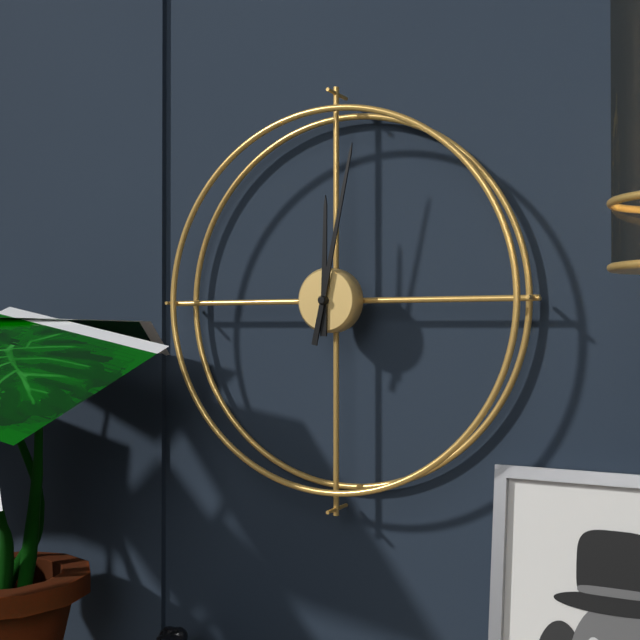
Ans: {"hour": 12, "minute": 2}
